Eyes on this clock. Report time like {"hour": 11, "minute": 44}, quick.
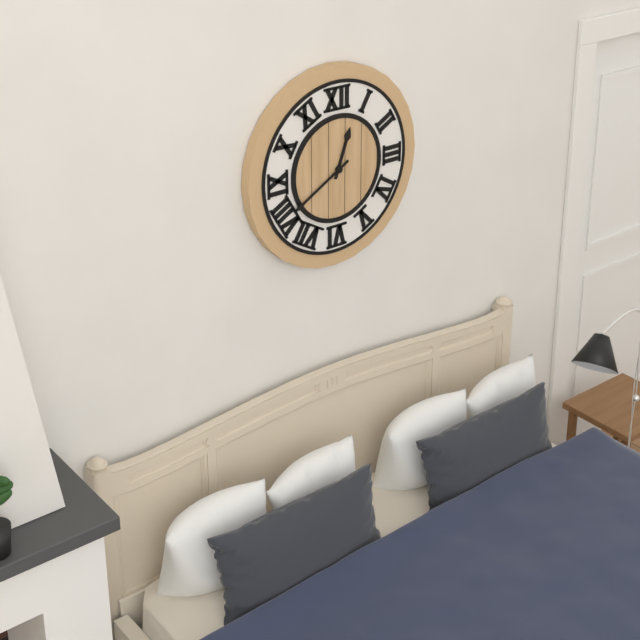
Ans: {"hour": 12, "minute": 40}
